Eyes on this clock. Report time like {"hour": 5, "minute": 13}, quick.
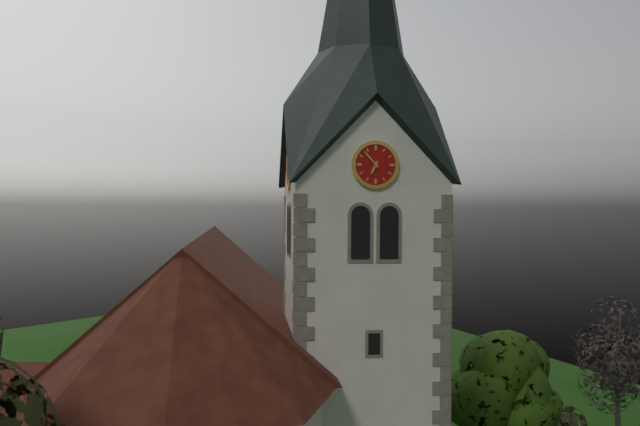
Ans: {"hour": 6, "minute": 53}
